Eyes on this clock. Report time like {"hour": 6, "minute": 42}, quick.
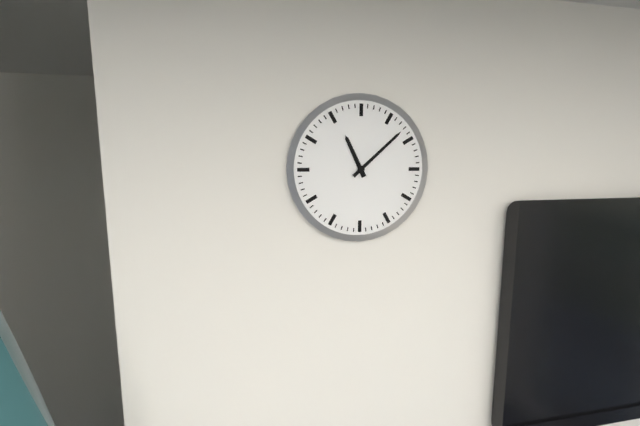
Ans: {"hour": 11, "minute": 8}
